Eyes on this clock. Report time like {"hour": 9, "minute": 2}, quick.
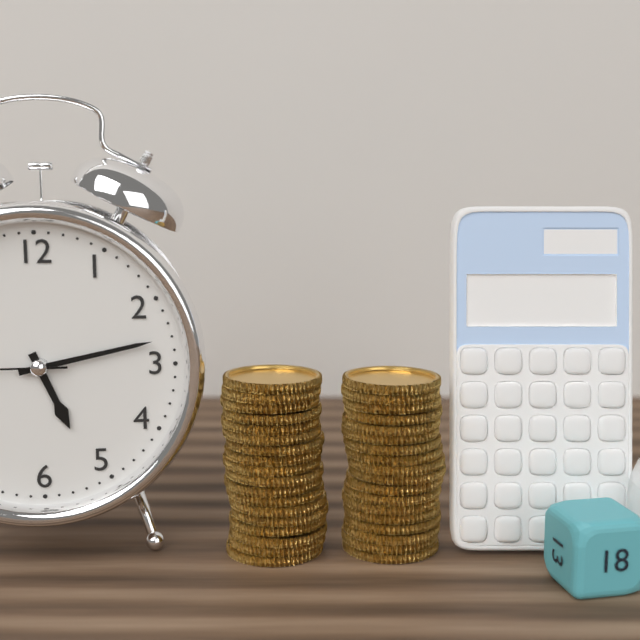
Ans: {"hour": 5, "minute": 13}
